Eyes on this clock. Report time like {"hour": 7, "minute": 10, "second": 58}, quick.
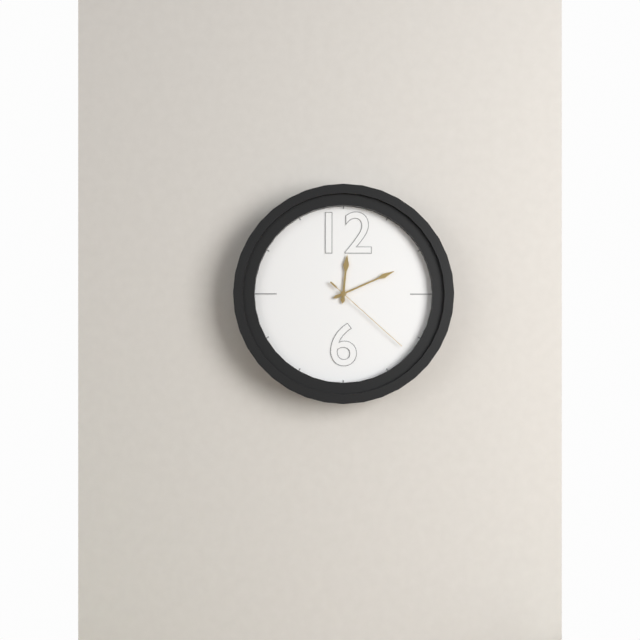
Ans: {"hour": 12, "minute": 11, "second": 22}
